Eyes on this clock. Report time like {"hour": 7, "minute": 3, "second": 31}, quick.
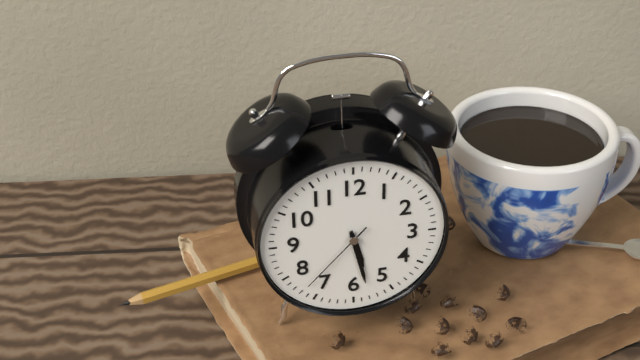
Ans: {"hour": 5, "minute": 28, "second": 37}
